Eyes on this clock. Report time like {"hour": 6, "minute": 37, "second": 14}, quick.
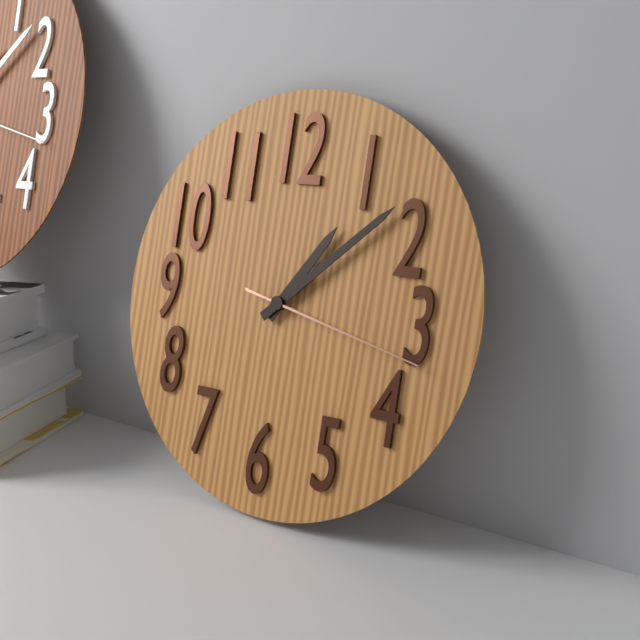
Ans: {"hour": 1, "minute": 8, "second": 17}
